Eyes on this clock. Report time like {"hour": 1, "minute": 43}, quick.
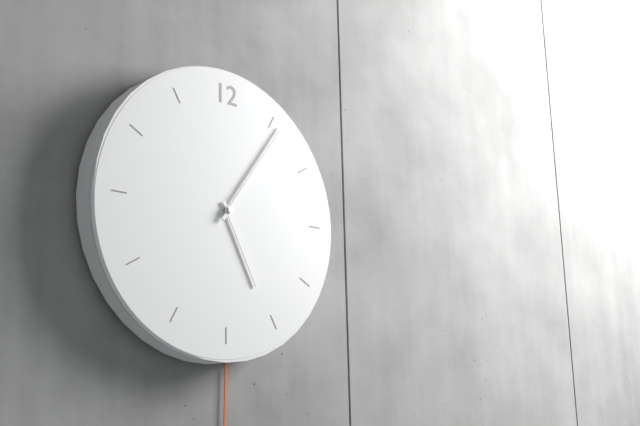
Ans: {"hour": 5, "minute": 6}
